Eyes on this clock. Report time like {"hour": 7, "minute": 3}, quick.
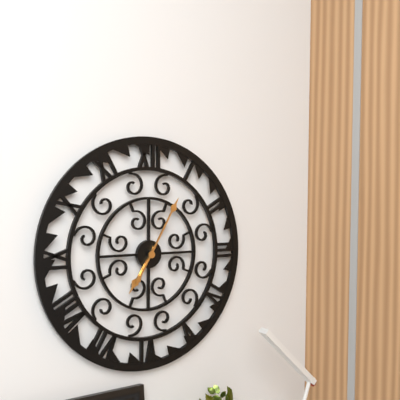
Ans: {"hour": 7, "minute": 5}
